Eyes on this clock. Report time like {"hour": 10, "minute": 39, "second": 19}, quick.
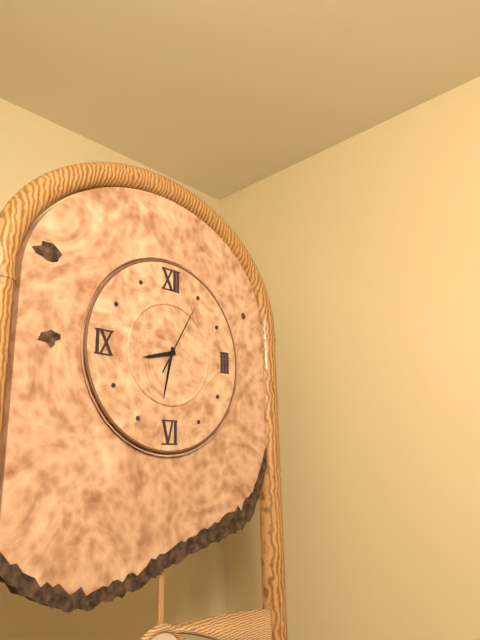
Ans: {"hour": 8, "minute": 32, "second": 5}
